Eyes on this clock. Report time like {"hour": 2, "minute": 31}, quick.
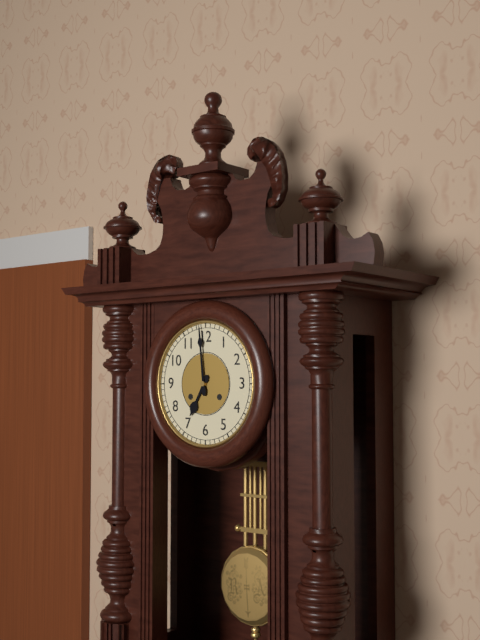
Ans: {"hour": 6, "minute": 59}
